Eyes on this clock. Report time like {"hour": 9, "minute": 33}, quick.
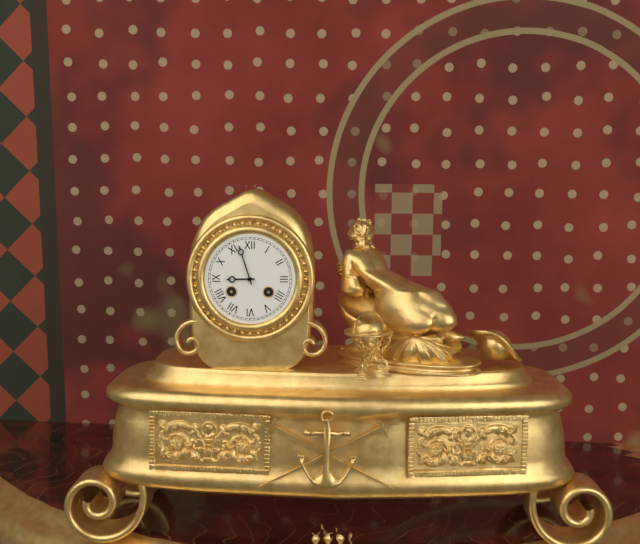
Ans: {"hour": 8, "minute": 57}
